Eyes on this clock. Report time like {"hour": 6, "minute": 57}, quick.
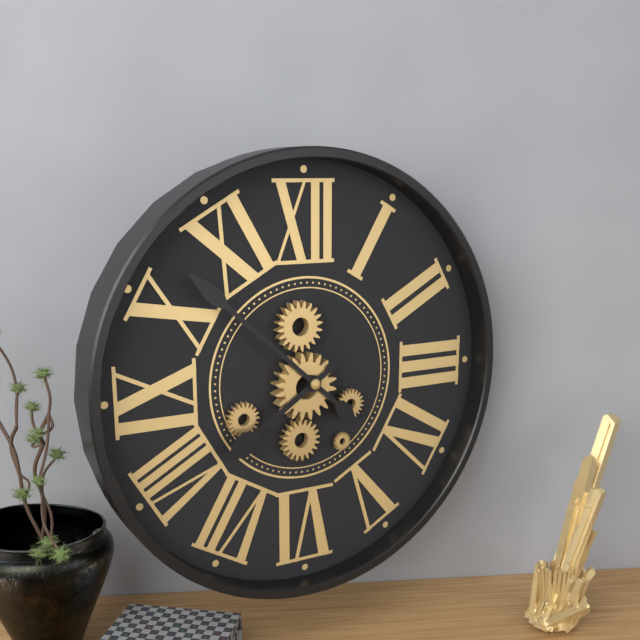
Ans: {"hour": 7, "minute": 52}
